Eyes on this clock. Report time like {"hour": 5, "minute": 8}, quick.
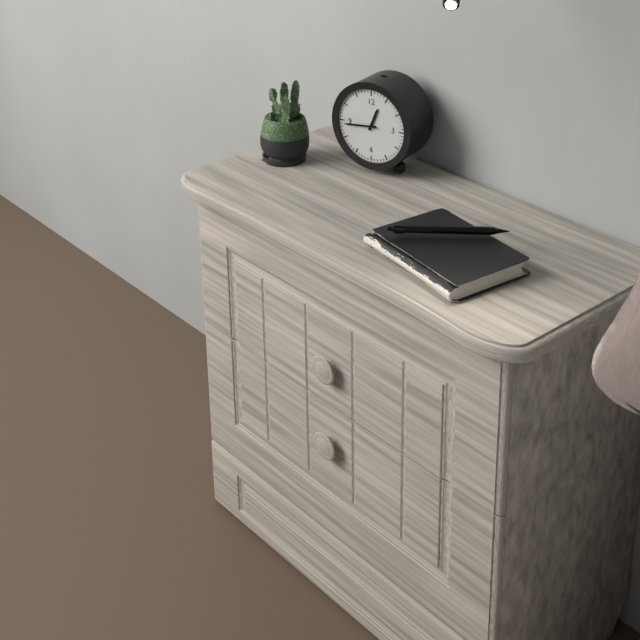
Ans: {"hour": 12, "minute": 44}
